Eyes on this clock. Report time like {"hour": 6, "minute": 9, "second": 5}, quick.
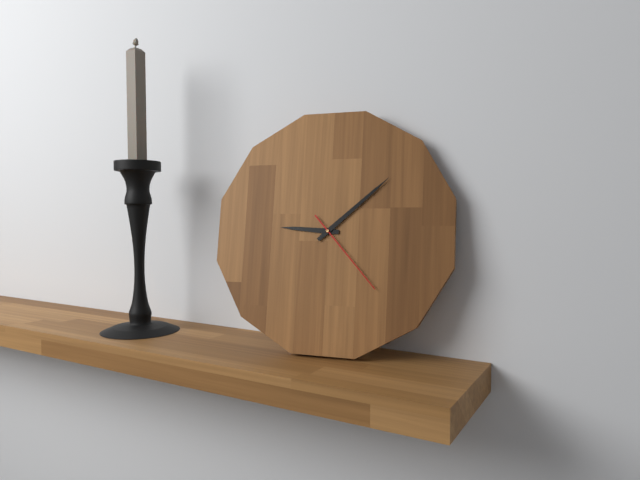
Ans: {"hour": 9, "minute": 8, "second": 23}
